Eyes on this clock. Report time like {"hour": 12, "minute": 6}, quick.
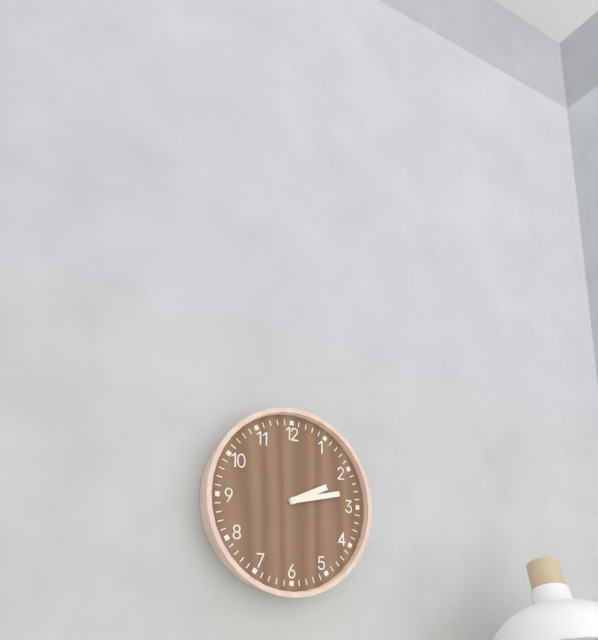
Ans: {"hour": 2, "minute": 13}
